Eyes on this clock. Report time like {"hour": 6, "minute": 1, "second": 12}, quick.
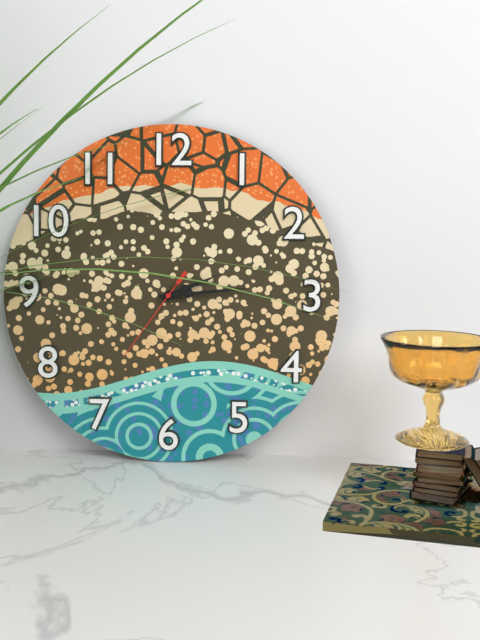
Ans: {"hour": 2, "minute": 14, "second": 36}
